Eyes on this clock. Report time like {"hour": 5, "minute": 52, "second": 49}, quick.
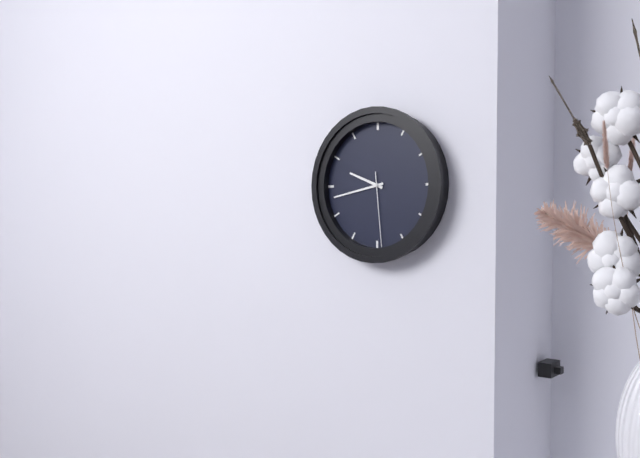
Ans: {"hour": 9, "minute": 43, "second": 29}
